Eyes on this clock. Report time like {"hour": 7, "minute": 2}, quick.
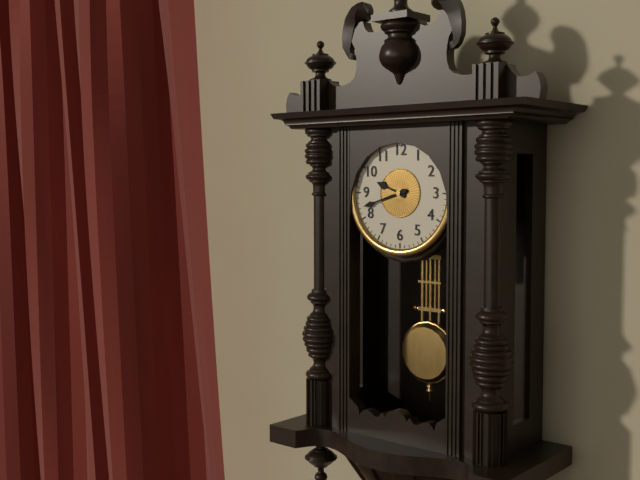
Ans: {"hour": 9, "minute": 42}
